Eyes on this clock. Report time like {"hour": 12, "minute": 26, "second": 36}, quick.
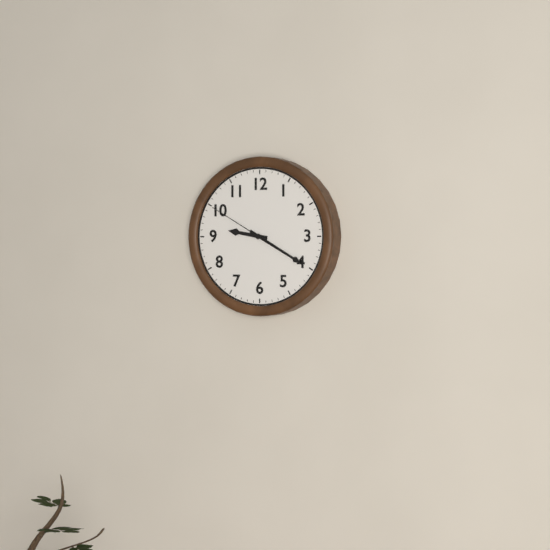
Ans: {"hour": 9, "minute": 20, "second": 50}
